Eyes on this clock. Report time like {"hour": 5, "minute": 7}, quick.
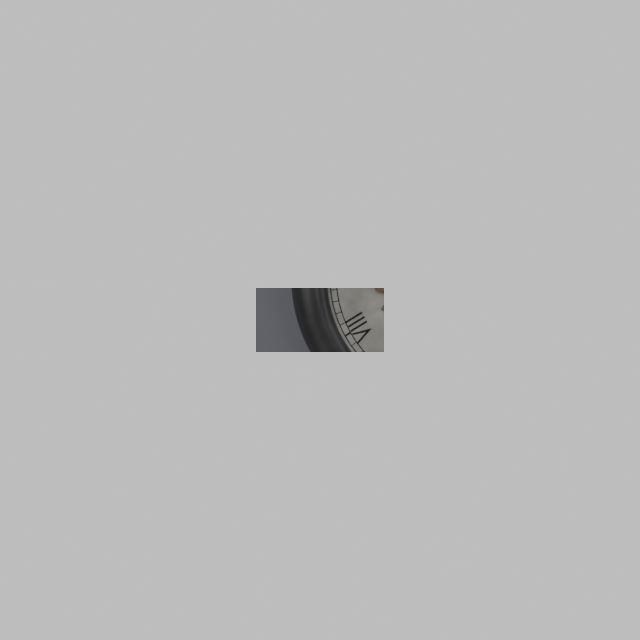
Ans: {"hour": 3, "minute": 29}
